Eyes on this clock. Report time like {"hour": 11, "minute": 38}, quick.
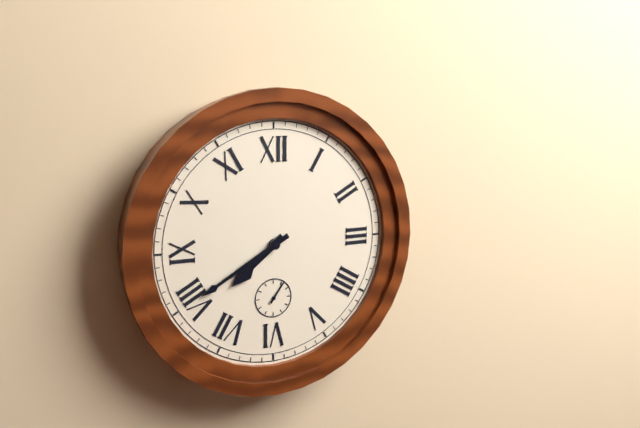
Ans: {"hour": 7, "minute": 40}
